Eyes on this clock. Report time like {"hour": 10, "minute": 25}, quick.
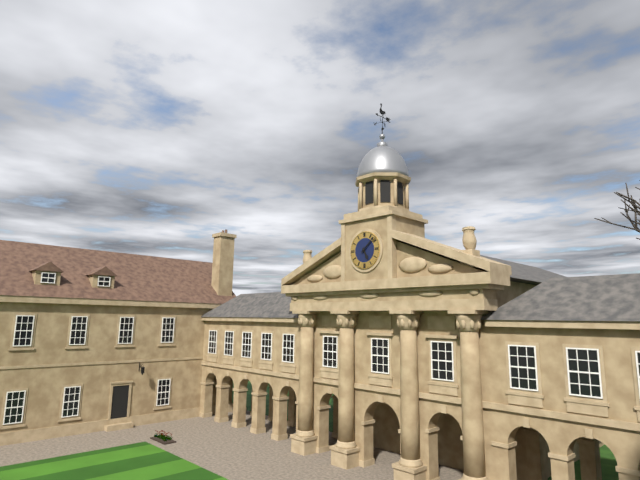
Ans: {"hour": 5, "minute": 8}
